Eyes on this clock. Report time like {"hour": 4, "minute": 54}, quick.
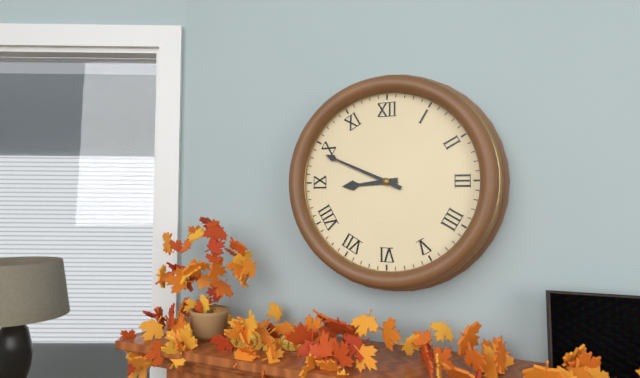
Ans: {"hour": 8, "minute": 49}
